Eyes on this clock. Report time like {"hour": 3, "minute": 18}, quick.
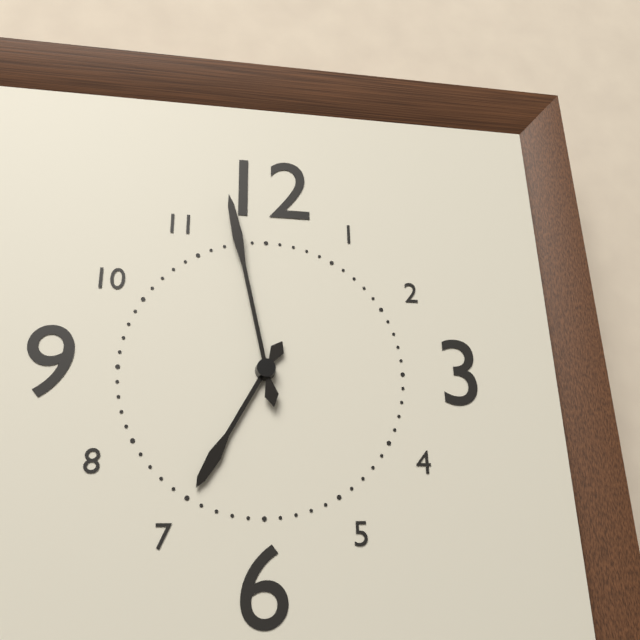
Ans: {"hour": 6, "minute": 58}
